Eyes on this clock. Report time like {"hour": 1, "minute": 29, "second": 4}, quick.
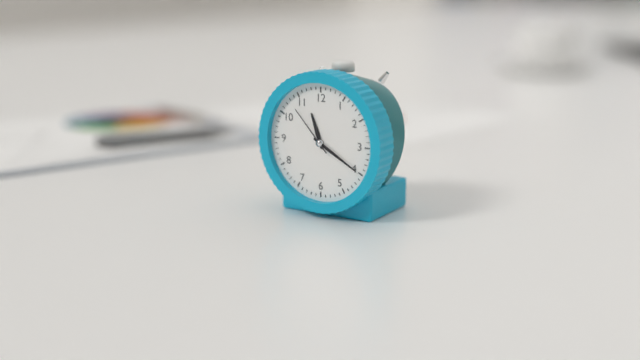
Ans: {"hour": 11, "minute": 20, "second": 53}
